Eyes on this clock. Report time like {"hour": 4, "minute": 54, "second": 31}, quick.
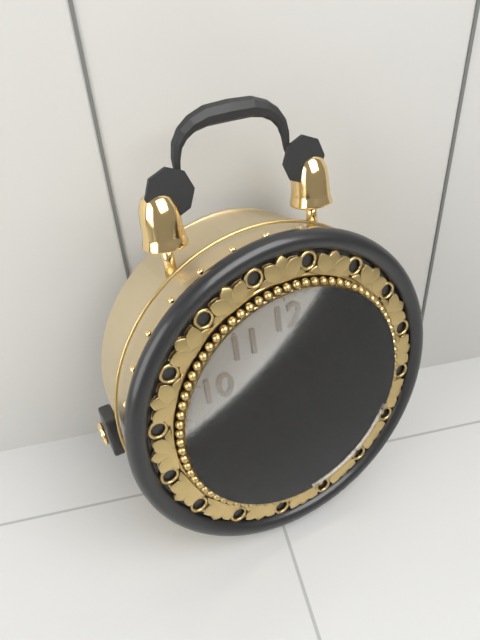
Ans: {"hour": 12, "minute": 44, "second": 37}
